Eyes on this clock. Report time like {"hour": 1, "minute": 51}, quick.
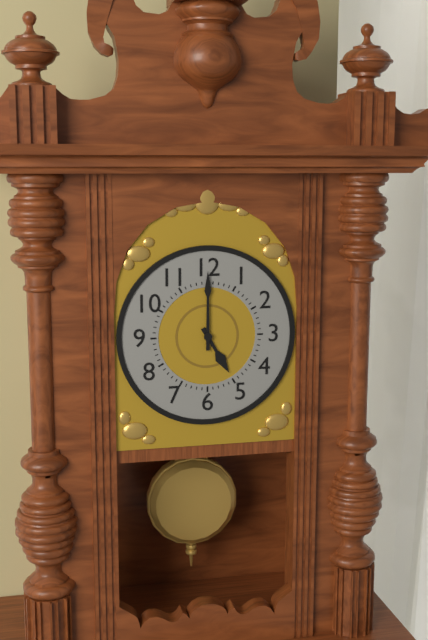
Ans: {"hour": 5, "minute": 0}
